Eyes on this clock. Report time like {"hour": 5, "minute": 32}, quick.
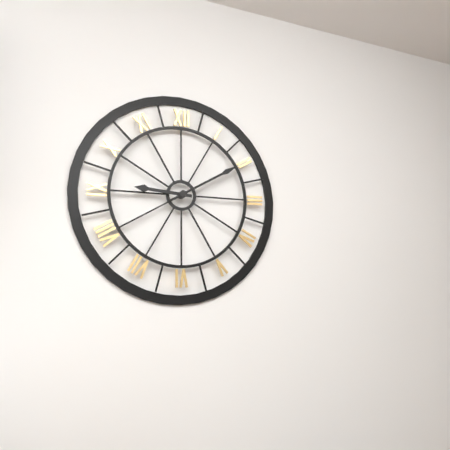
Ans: {"hour": 9, "minute": 10}
